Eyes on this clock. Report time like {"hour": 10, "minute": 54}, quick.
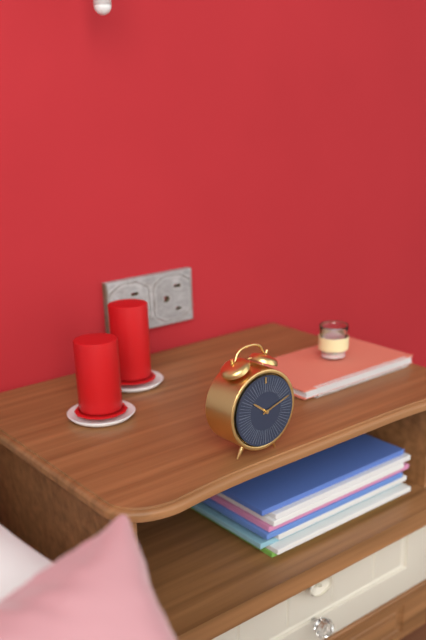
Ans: {"hour": 10, "minute": 12}
